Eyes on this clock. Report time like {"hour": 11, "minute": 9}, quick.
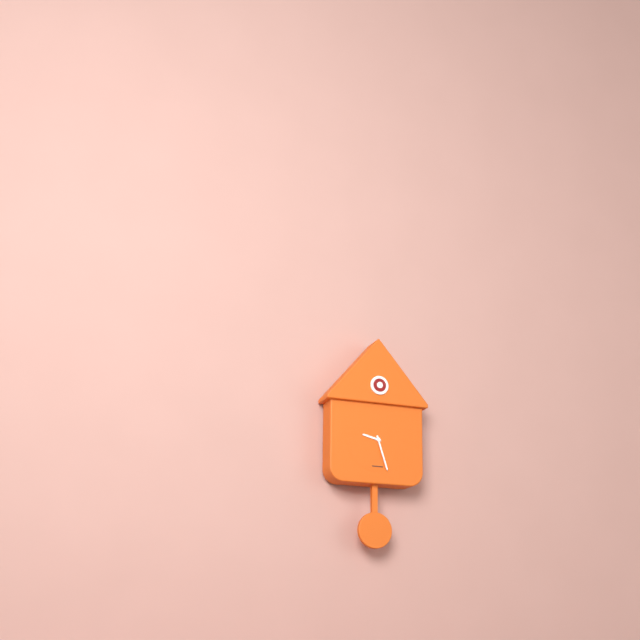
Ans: {"hour": 9, "minute": 27}
